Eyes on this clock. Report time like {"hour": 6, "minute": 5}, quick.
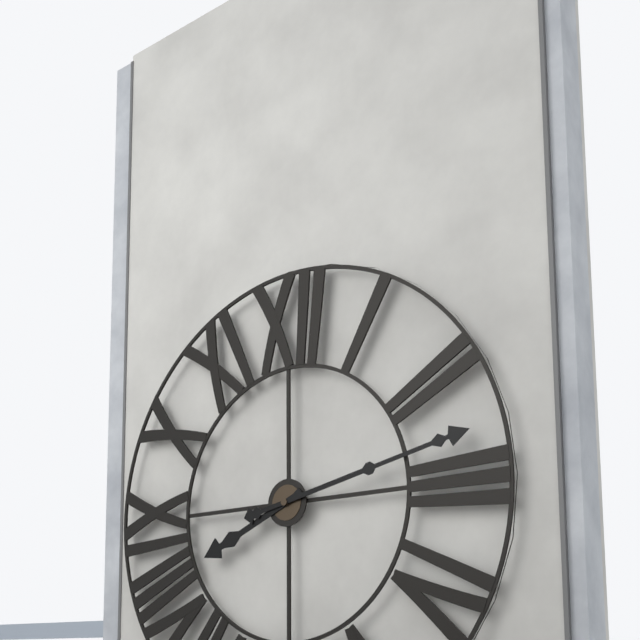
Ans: {"hour": 8, "minute": 13}
